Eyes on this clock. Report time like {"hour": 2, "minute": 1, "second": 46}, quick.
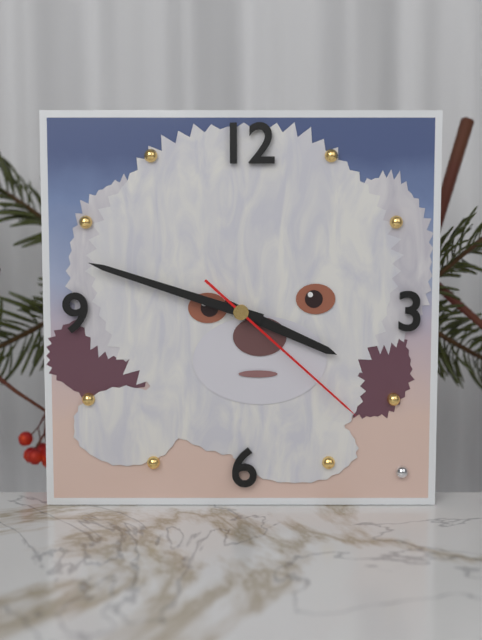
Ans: {"hour": 3, "minute": 48, "second": 22}
